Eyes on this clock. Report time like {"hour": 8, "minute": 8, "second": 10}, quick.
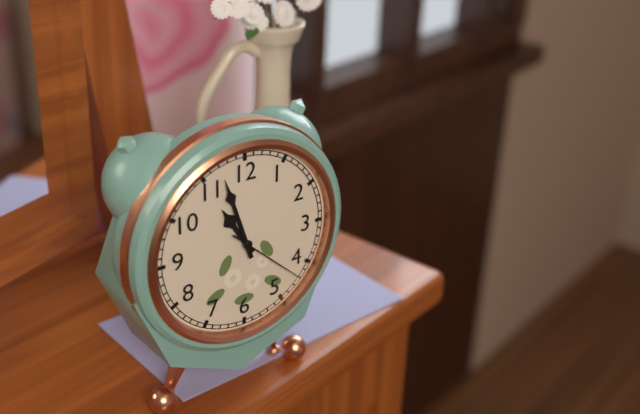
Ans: {"hour": 10, "minute": 57, "second": 22}
